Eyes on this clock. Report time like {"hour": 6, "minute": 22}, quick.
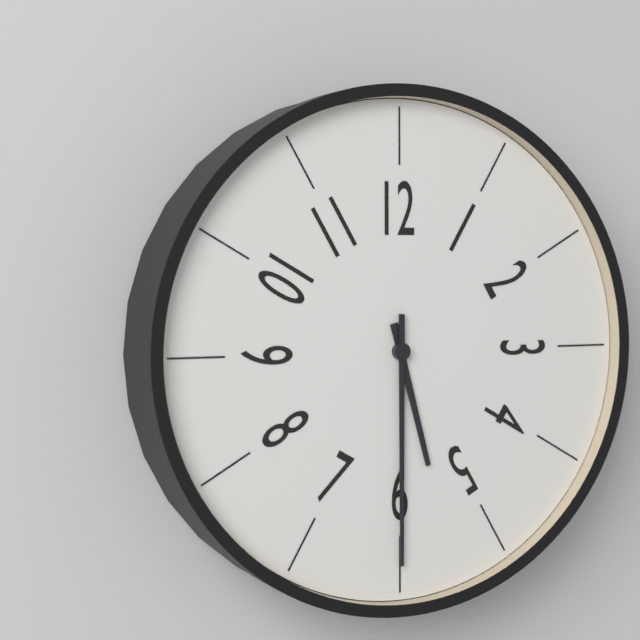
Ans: {"hour": 5, "minute": 30}
